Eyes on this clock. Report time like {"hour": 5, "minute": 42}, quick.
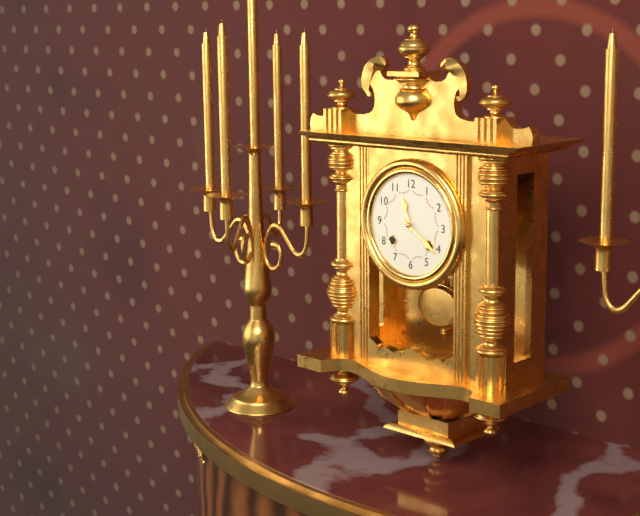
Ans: {"hour": 11, "minute": 21}
